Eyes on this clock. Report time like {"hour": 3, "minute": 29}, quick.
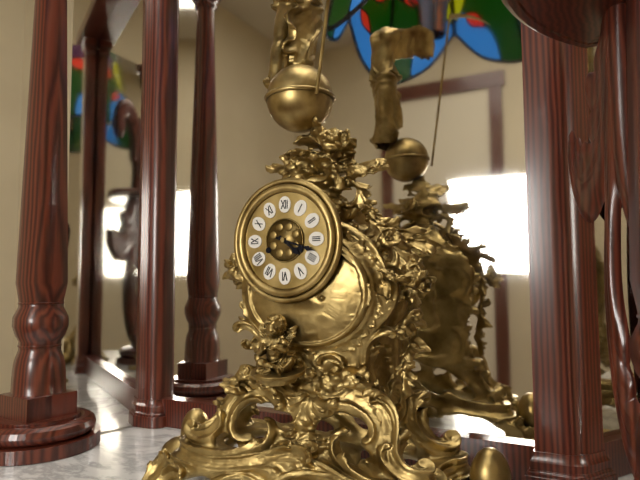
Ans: {"hour": 4, "minute": 18}
